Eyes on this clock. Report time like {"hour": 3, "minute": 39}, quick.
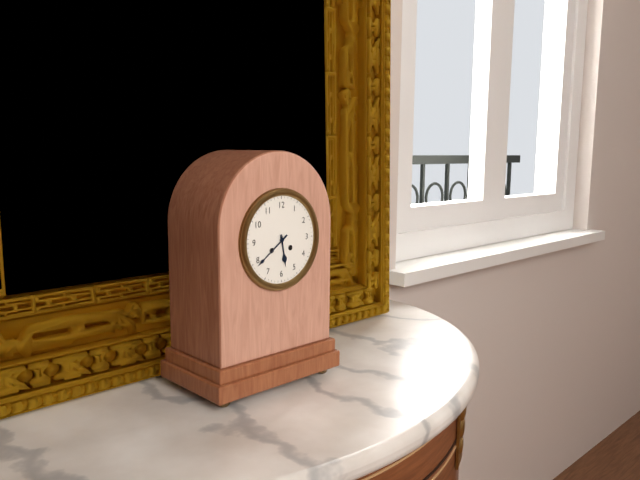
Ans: {"hour": 5, "minute": 39}
